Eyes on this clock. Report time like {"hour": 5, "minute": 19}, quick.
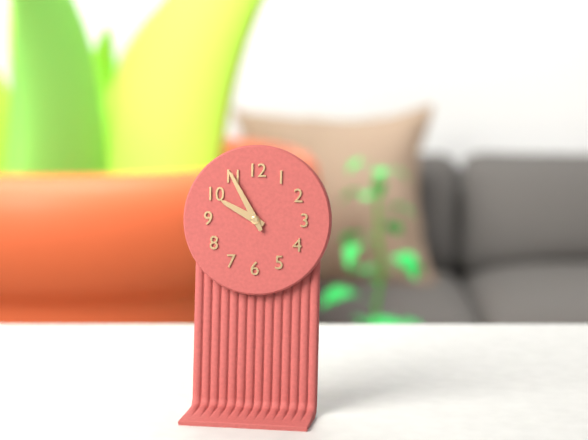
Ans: {"hour": 9, "minute": 55}
